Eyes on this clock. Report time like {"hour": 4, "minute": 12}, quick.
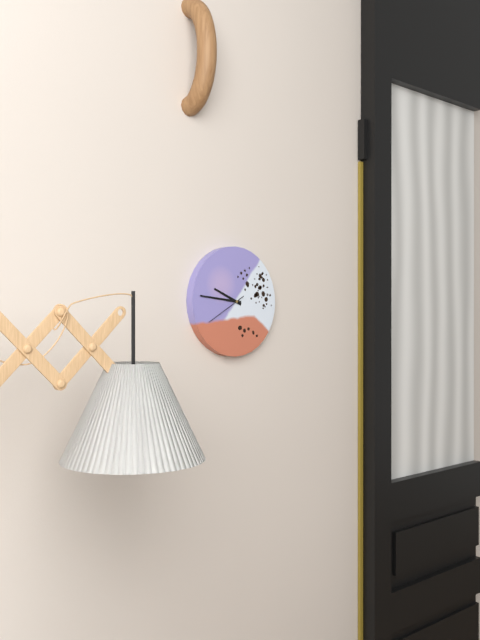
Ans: {"hour": 9, "minute": 46}
